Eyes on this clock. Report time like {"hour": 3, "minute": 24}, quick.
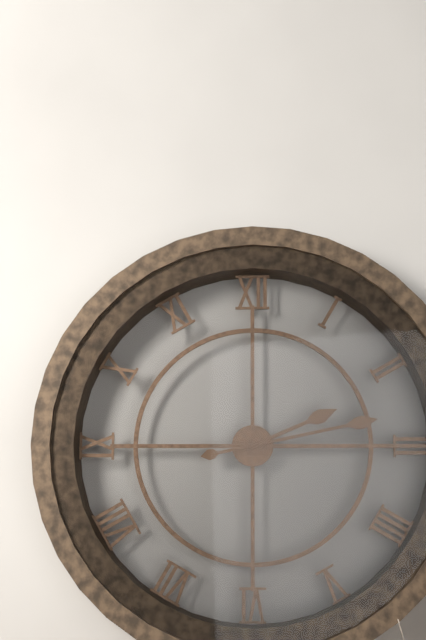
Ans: {"hour": 2, "minute": 13}
